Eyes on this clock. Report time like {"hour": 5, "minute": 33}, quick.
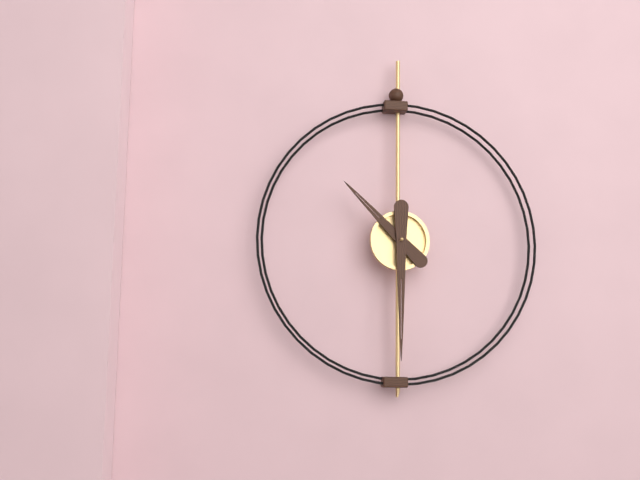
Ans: {"hour": 10, "minute": 30}
